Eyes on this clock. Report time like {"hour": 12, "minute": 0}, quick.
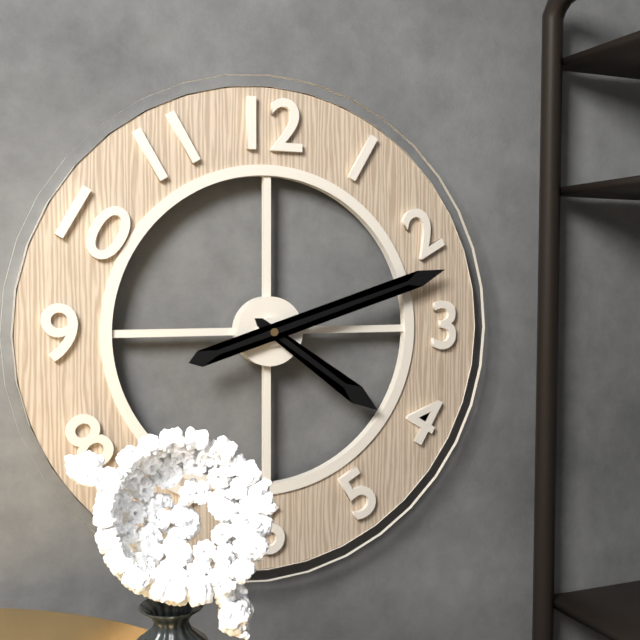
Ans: {"hour": 4, "minute": 12}
